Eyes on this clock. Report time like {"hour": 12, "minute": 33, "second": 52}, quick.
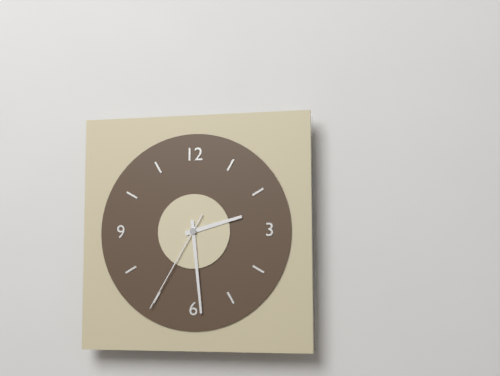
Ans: {"hour": 2, "minute": 29, "second": 35}
